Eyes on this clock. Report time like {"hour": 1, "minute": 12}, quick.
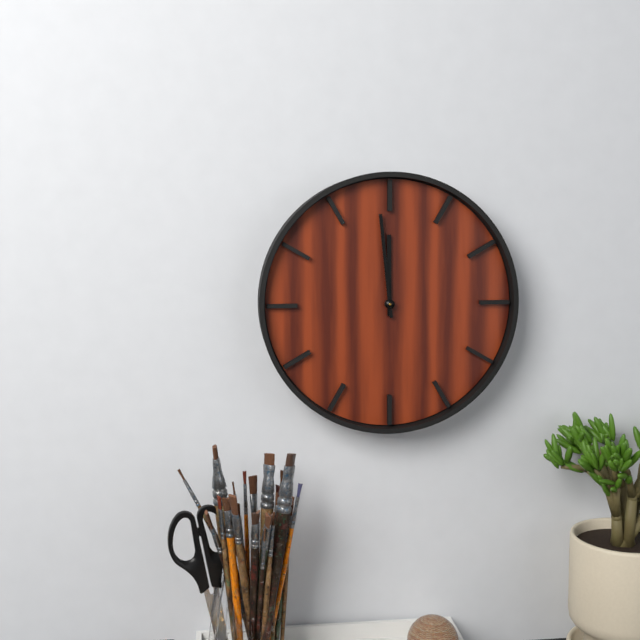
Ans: {"hour": 11, "minute": 59}
